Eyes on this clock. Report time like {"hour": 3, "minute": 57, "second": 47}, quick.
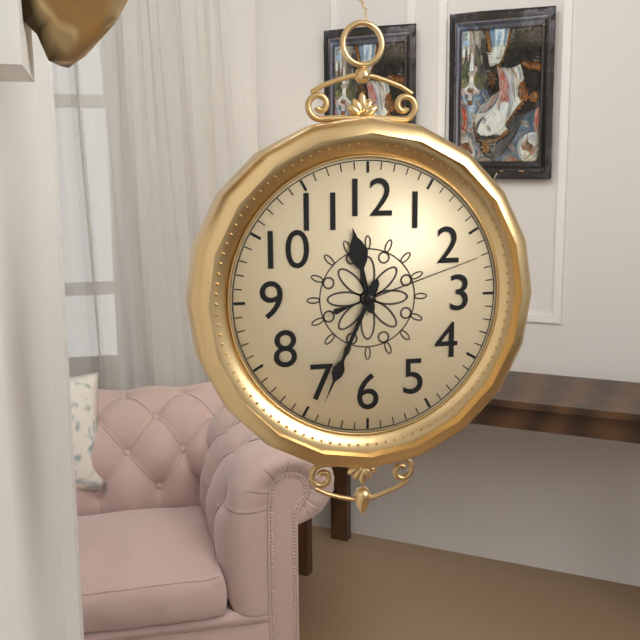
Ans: {"hour": 11, "minute": 34, "second": 12}
